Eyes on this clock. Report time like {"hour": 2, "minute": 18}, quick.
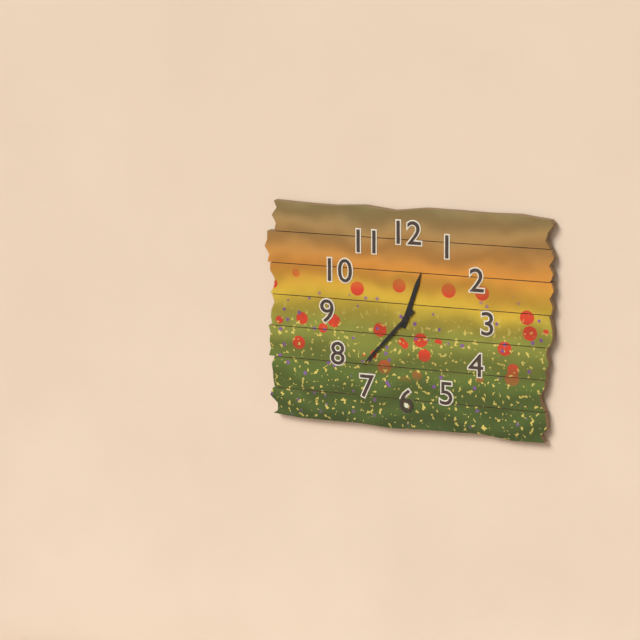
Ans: {"hour": 12, "minute": 37}
